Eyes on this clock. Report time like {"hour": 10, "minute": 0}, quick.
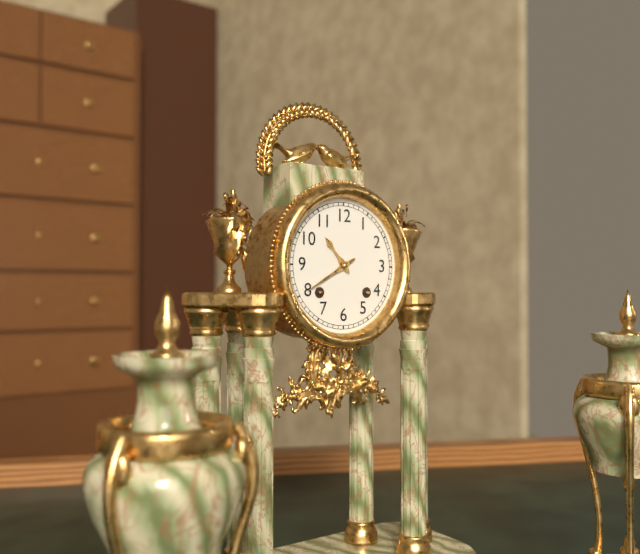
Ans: {"hour": 10, "minute": 40}
